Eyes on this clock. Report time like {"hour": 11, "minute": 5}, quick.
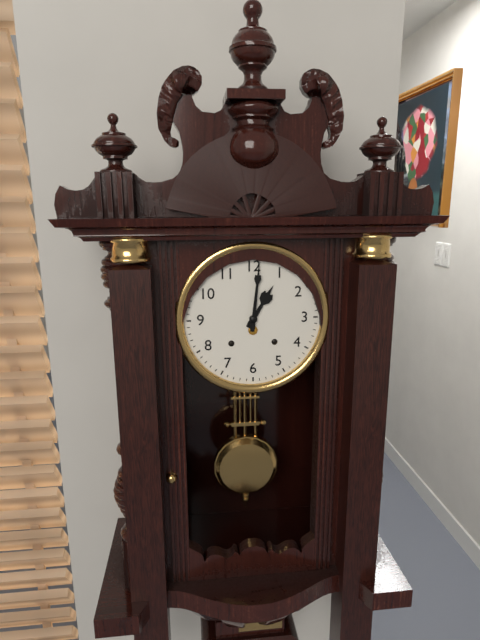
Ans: {"hour": 1, "minute": 1}
